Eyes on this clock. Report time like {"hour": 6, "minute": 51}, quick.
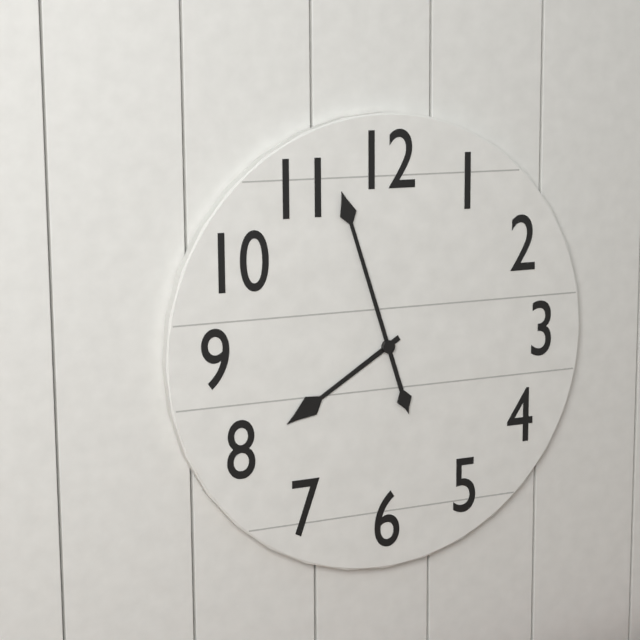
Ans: {"hour": 7, "minute": 57}
